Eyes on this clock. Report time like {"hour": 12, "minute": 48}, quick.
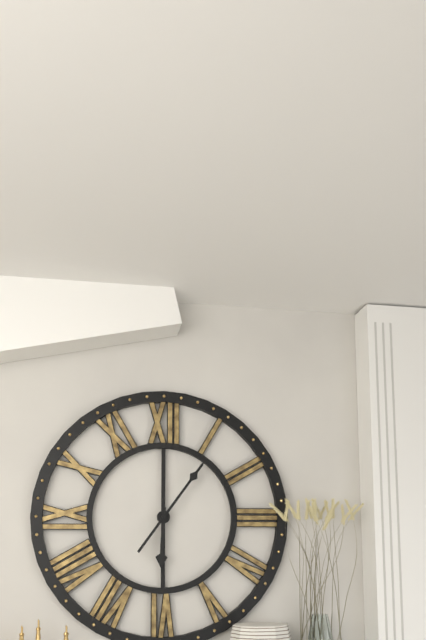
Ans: {"hour": 6, "minute": 6}
